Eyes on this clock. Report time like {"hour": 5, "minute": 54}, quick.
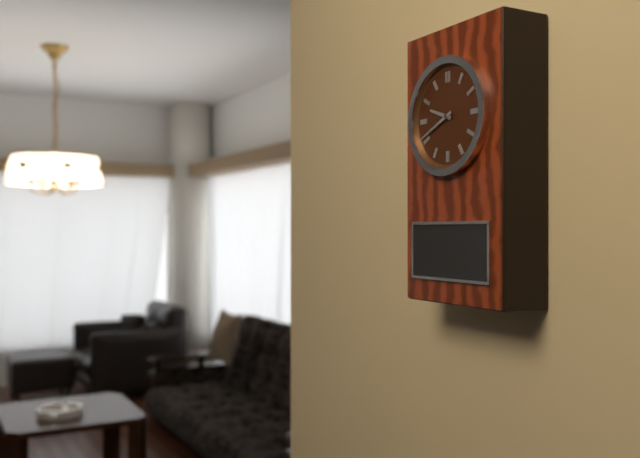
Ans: {"hour": 9, "minute": 41}
